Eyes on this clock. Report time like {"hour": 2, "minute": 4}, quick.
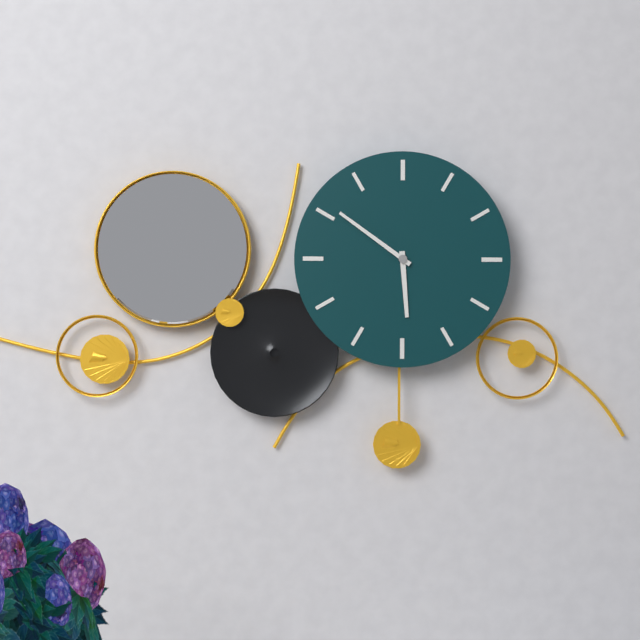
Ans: {"hour": 5, "minute": 51}
